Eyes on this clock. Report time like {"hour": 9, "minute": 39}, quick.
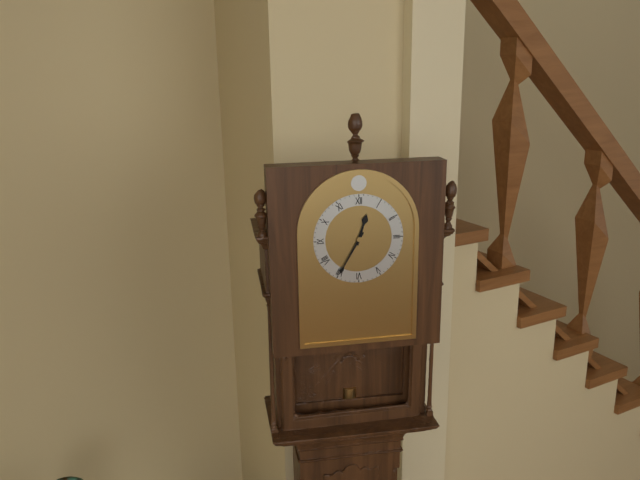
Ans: {"hour": 12, "minute": 35}
